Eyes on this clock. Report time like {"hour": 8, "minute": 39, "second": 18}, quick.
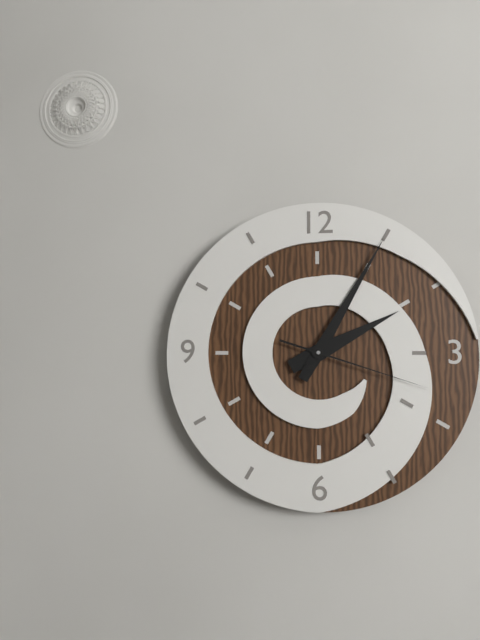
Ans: {"hour": 2, "minute": 5, "second": 18}
